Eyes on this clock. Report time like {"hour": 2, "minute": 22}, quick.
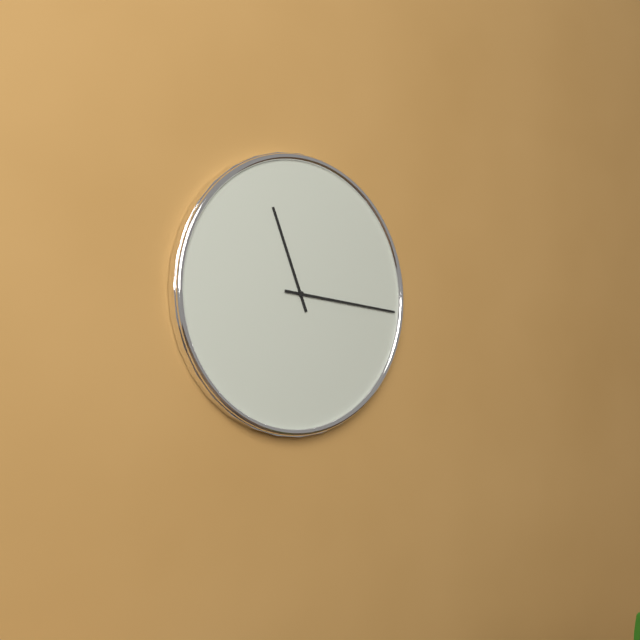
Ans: {"hour": 11, "minute": 16}
